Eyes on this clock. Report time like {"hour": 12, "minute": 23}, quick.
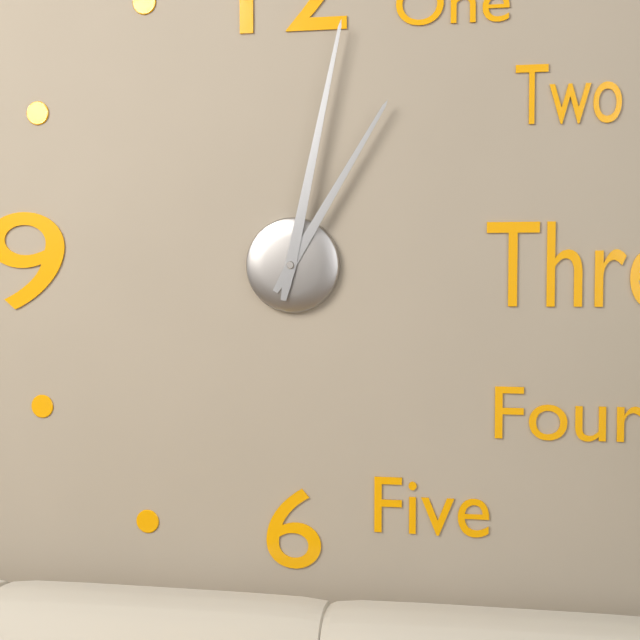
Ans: {"hour": 1, "minute": 2}
